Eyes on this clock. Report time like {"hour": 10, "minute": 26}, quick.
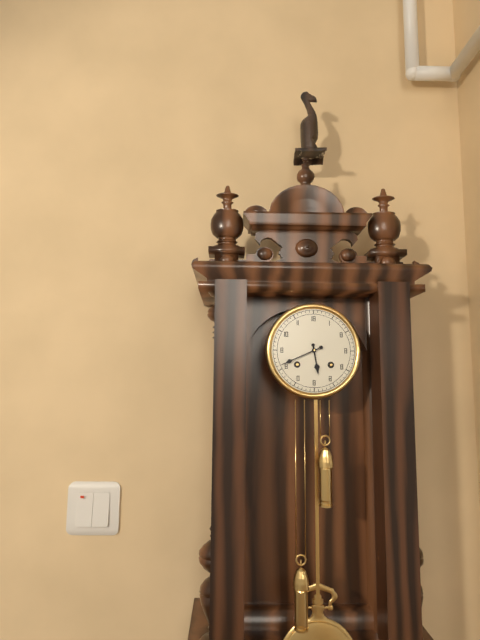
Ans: {"hour": 5, "minute": 41}
